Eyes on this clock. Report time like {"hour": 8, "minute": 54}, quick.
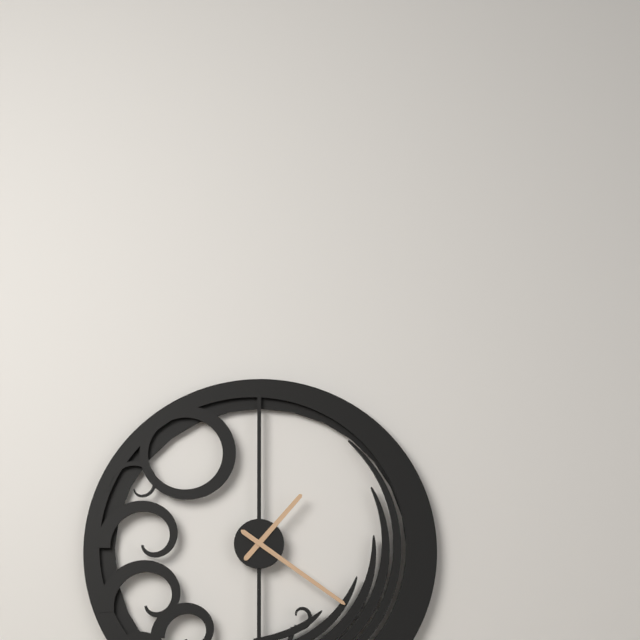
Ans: {"hour": 1, "minute": 21}
